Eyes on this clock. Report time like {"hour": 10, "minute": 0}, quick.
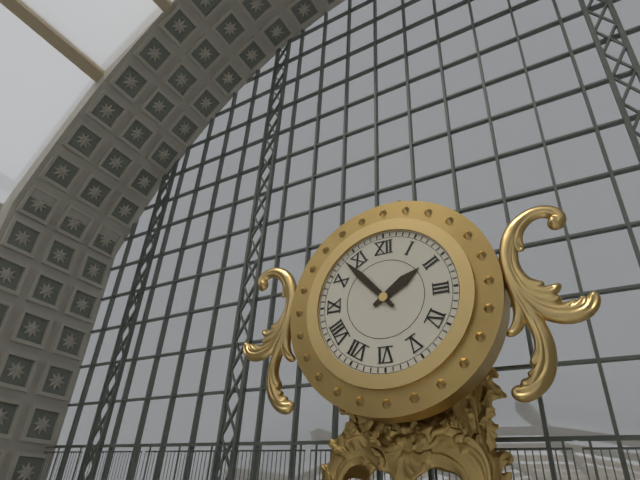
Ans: {"hour": 1, "minute": 53}
